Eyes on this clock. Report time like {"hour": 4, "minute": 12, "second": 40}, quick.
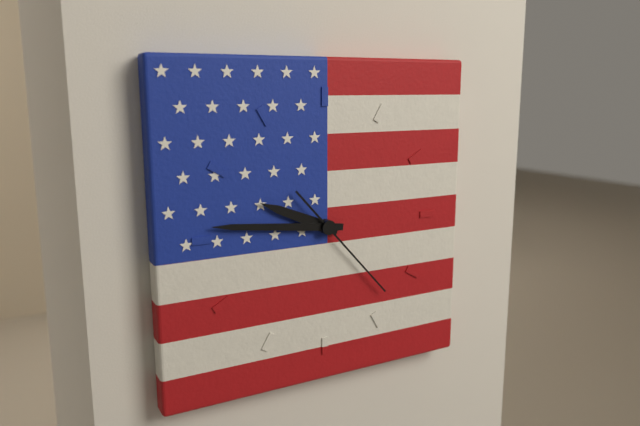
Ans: {"hour": 9, "minute": 46, "second": 23}
